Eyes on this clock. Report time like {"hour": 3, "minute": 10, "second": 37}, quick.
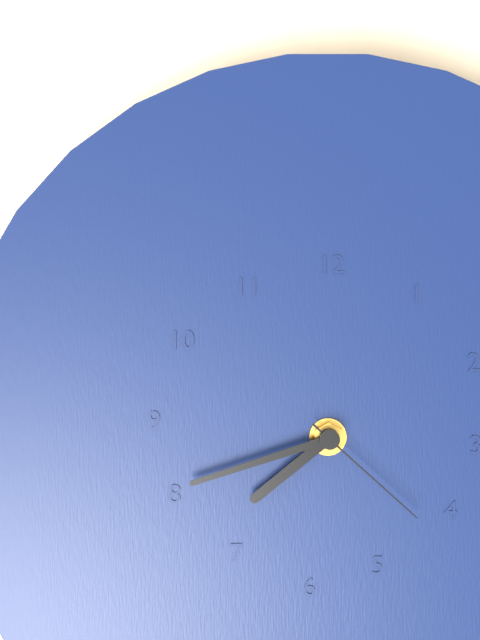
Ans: {"hour": 7, "minute": 42, "second": 22}
